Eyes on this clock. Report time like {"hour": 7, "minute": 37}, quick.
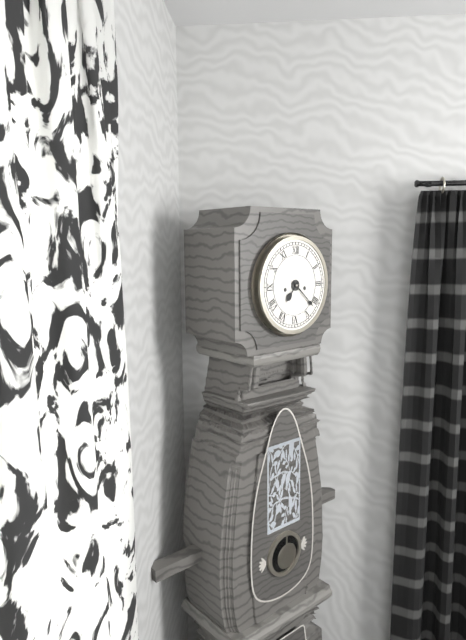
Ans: {"hour": 7, "minute": 22}
